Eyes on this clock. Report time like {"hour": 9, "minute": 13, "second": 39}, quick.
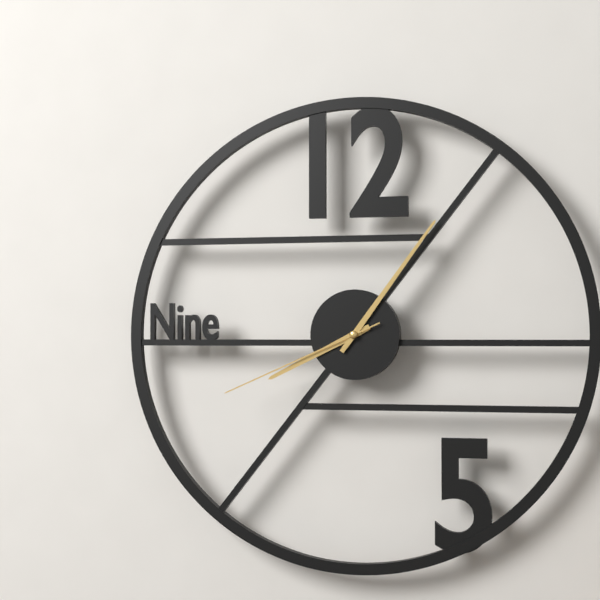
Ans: {"hour": 8, "minute": 6, "second": 41}
